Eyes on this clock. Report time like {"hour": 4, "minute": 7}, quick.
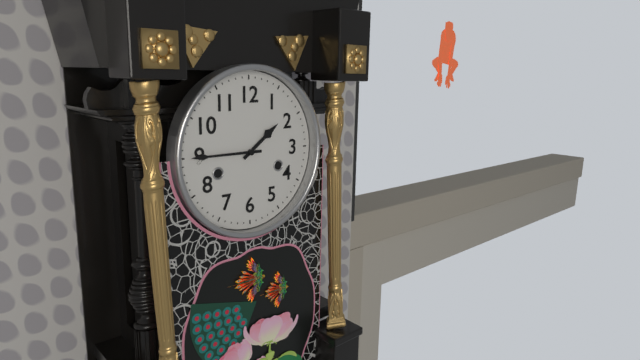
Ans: {"hour": 1, "minute": 45}
